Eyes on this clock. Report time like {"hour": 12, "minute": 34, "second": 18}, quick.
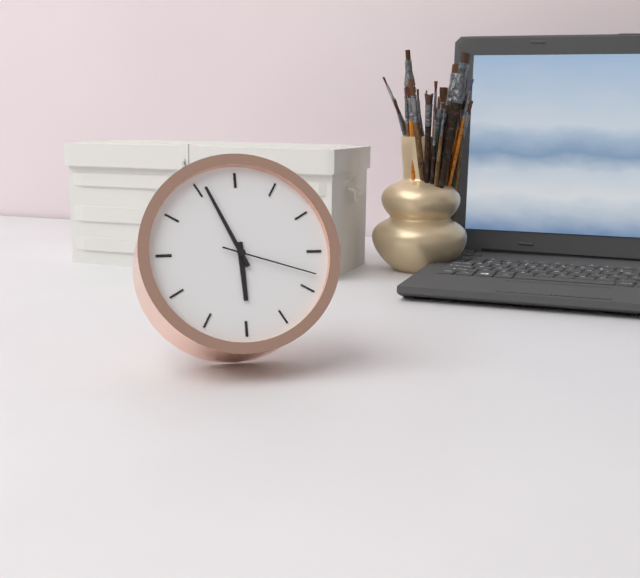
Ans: {"hour": 5, "minute": 56, "second": 18}
